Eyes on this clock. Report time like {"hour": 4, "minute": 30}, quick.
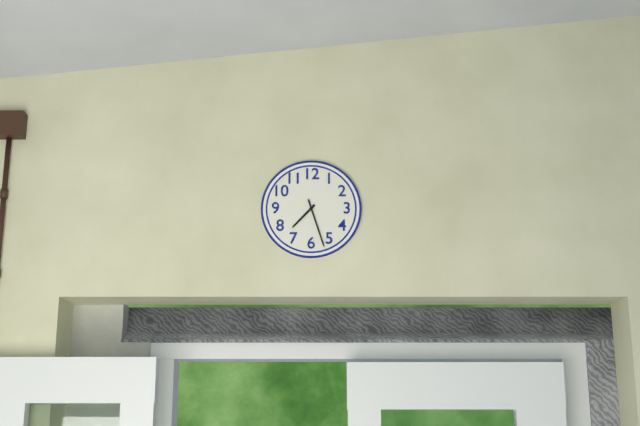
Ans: {"hour": 7, "minute": 27}
